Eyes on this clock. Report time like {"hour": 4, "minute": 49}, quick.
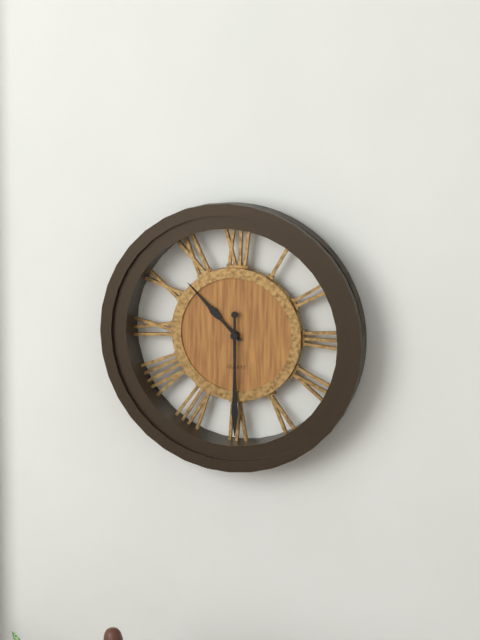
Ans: {"hour": 10, "minute": 30}
